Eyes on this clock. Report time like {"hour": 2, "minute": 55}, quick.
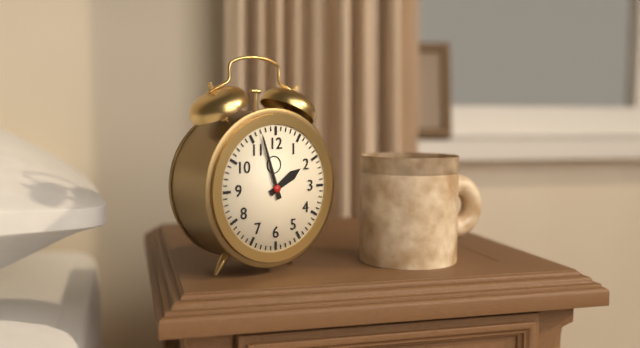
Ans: {"hour": 1, "minute": 57}
